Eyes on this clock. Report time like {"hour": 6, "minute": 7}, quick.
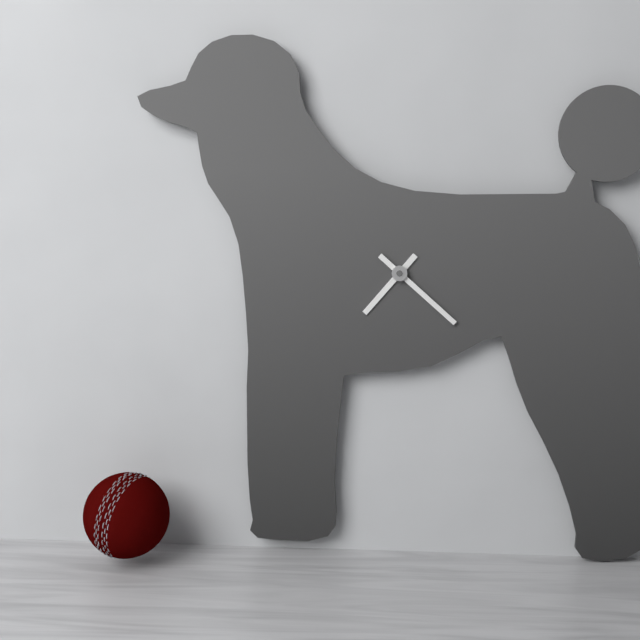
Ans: {"hour": 7, "minute": 22}
